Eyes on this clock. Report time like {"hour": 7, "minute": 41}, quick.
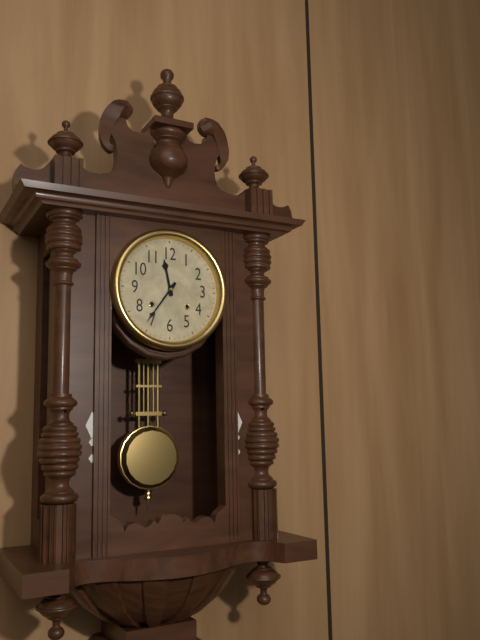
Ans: {"hour": 11, "minute": 36}
